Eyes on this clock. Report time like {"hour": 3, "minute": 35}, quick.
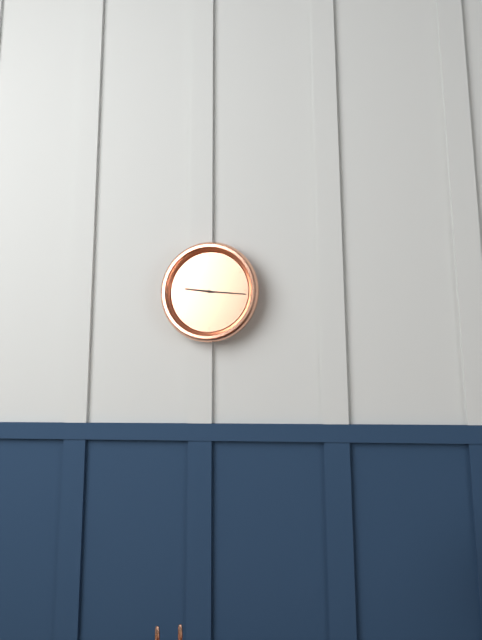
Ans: {"hour": 9, "minute": 16}
